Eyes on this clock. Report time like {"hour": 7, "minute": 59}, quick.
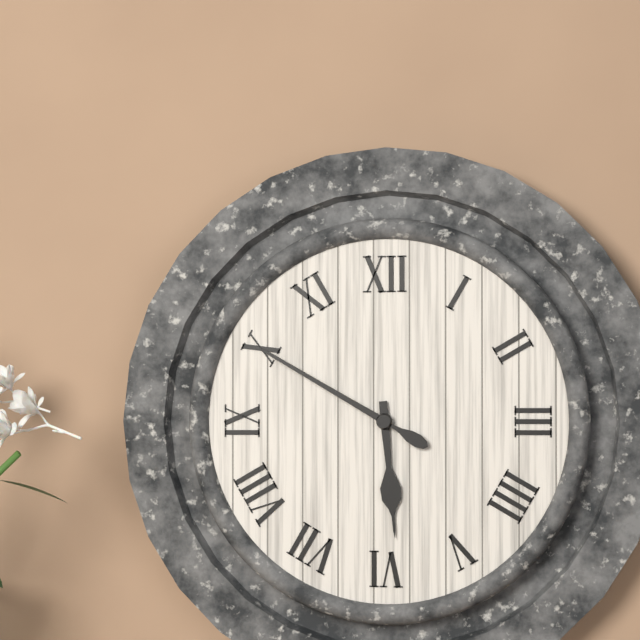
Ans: {"hour": 5, "minute": 50}
